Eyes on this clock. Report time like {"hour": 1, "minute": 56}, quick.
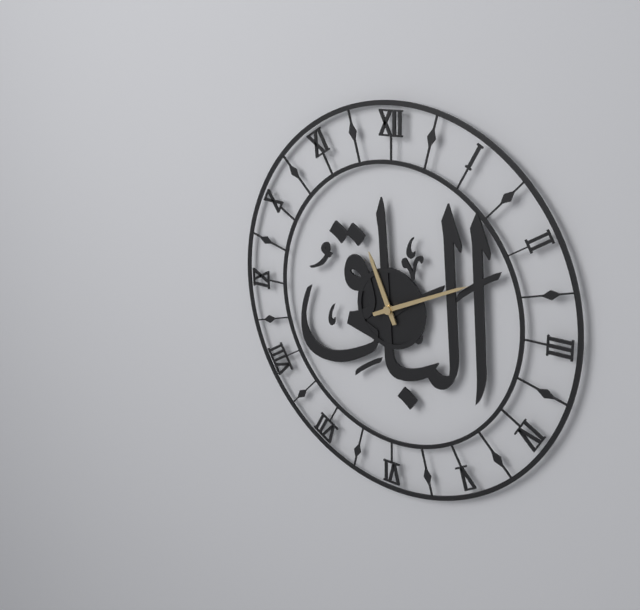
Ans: {"hour": 11, "minute": 11}
